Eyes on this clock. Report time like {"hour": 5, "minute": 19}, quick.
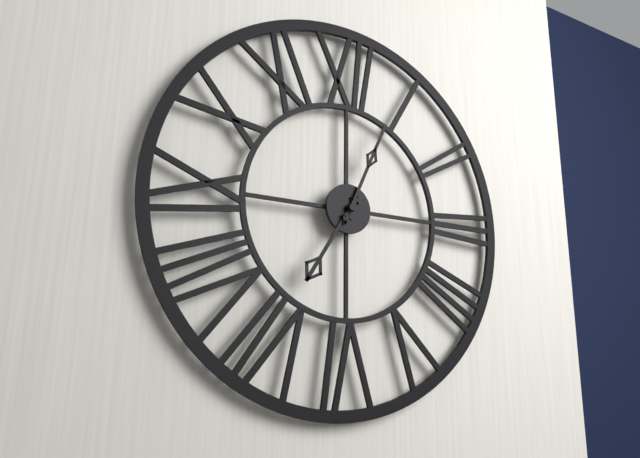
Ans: {"hour": 7, "minute": 4}
